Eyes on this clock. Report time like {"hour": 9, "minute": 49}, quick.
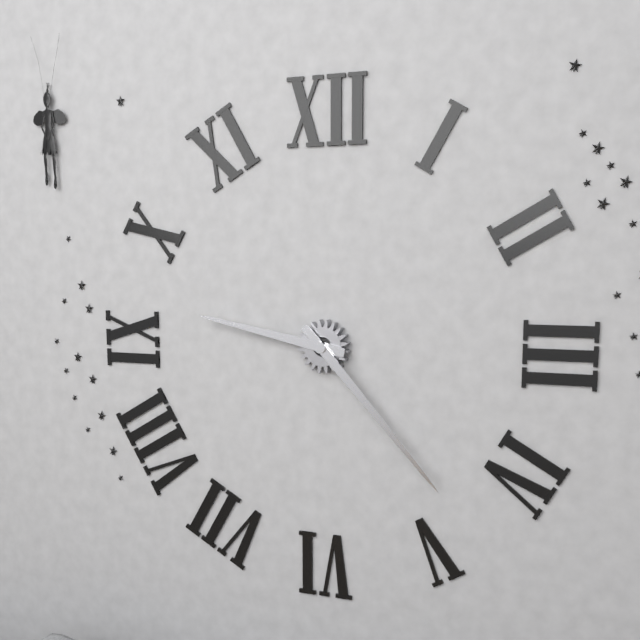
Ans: {"hour": 9, "minute": 23}
